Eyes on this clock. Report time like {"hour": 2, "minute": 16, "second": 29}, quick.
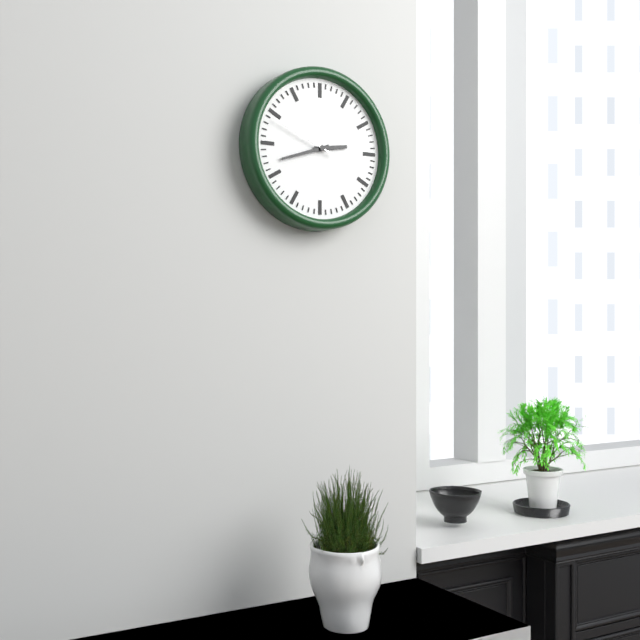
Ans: {"hour": 2, "minute": 42, "second": 49}
